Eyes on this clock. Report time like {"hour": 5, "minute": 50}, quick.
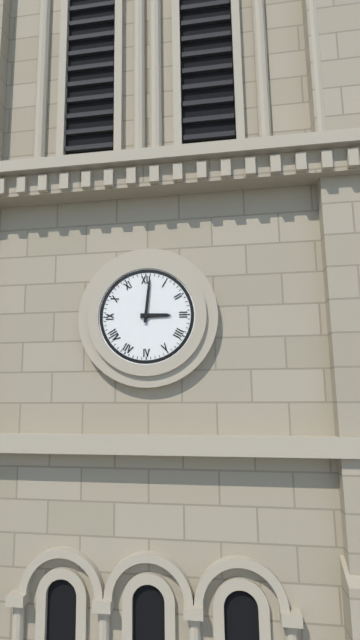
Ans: {"hour": 3, "minute": 1}
